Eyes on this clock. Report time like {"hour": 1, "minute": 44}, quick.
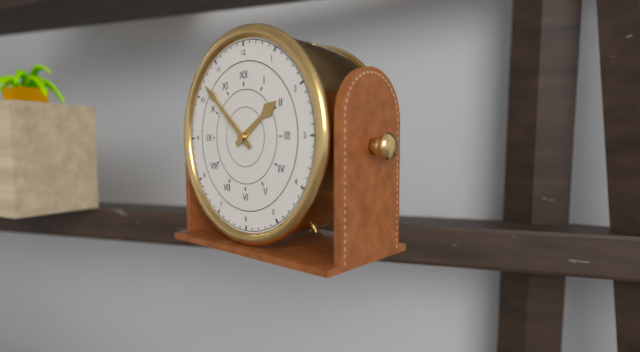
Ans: {"hour": 1, "minute": 52}
